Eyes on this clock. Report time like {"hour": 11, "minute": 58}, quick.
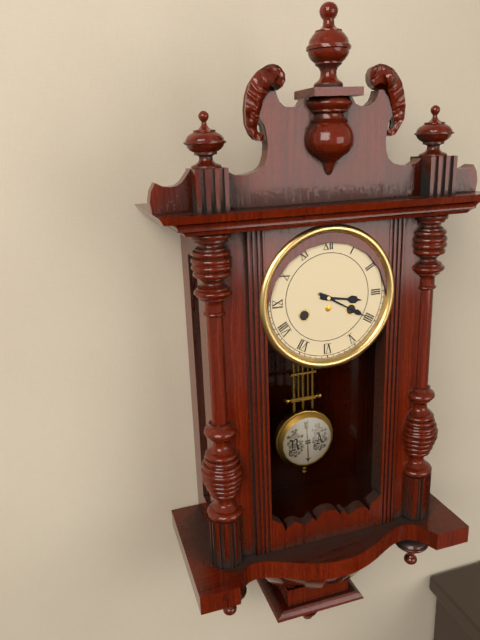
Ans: {"hour": 3, "minute": 20}
